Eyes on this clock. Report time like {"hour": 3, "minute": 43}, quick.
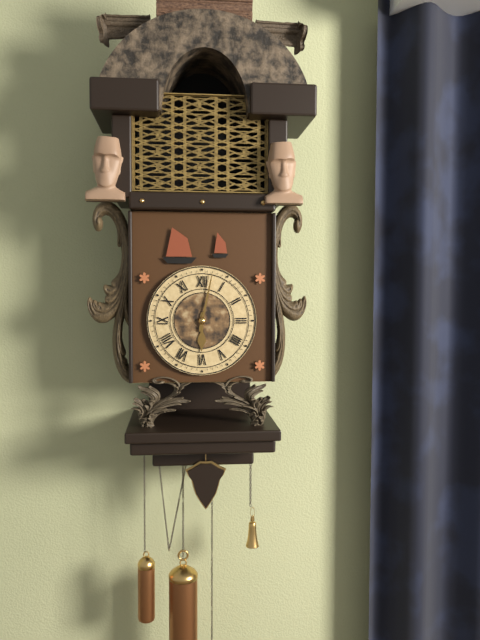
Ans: {"hour": 6, "minute": 2}
